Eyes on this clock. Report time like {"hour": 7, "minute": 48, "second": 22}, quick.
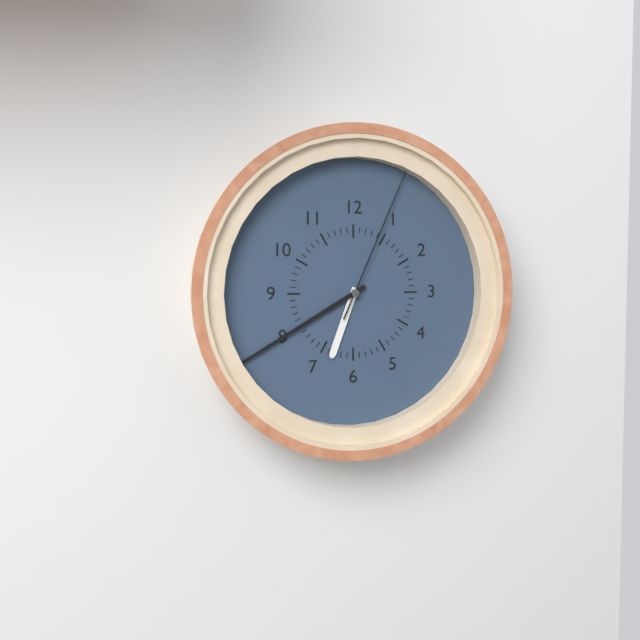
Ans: {"hour": 6, "minute": 40, "second": 4}
